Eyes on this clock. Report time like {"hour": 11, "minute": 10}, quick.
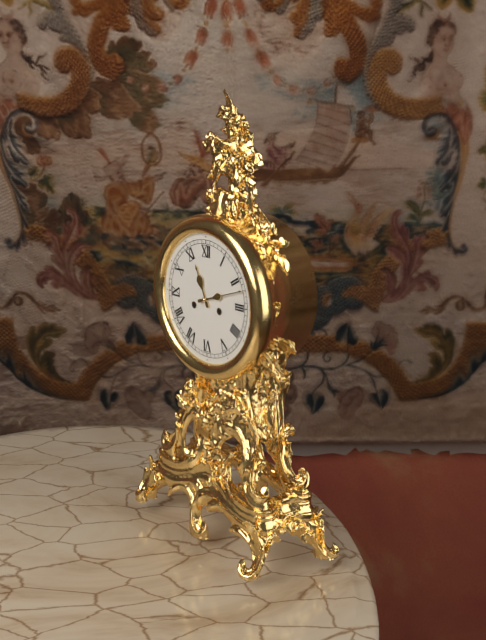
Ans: {"hour": 11, "minute": 12}
